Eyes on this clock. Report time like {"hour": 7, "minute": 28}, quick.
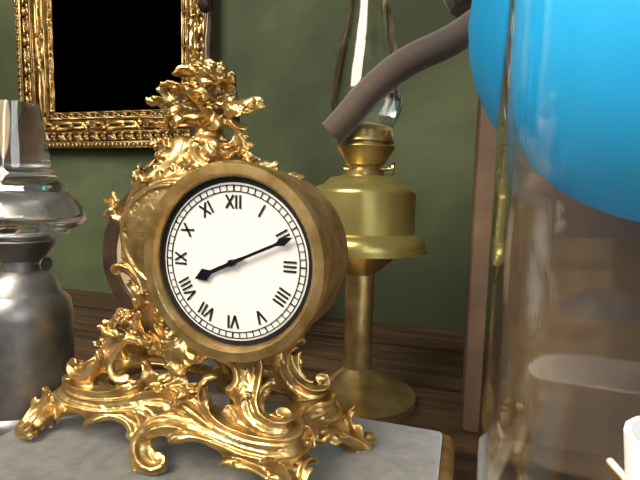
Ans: {"hour": 8, "minute": 11}
